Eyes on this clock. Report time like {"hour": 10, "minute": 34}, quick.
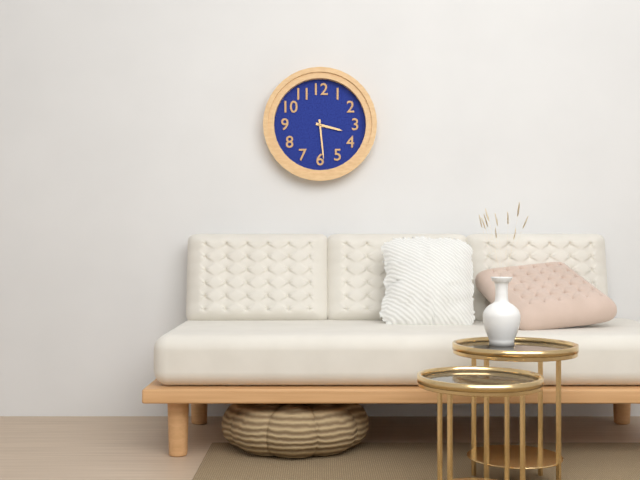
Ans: {"hour": 3, "minute": 29}
